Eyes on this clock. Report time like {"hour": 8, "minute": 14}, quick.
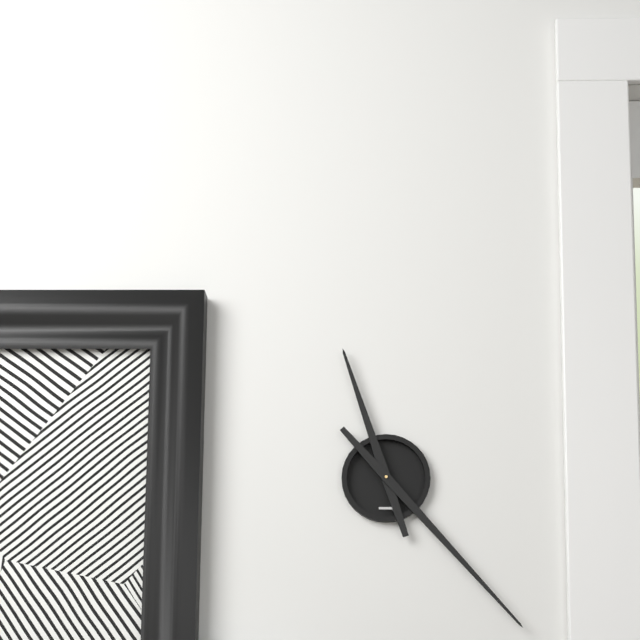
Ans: {"hour": 11, "minute": 23}
